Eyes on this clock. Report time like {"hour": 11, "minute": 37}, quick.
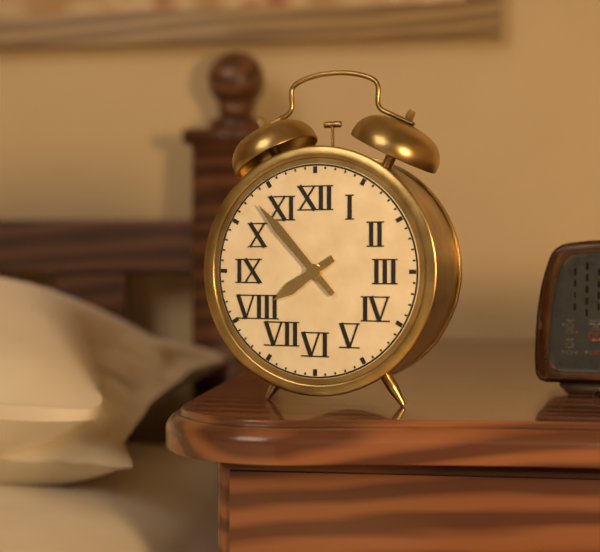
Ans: {"hour": 7, "minute": 53}
